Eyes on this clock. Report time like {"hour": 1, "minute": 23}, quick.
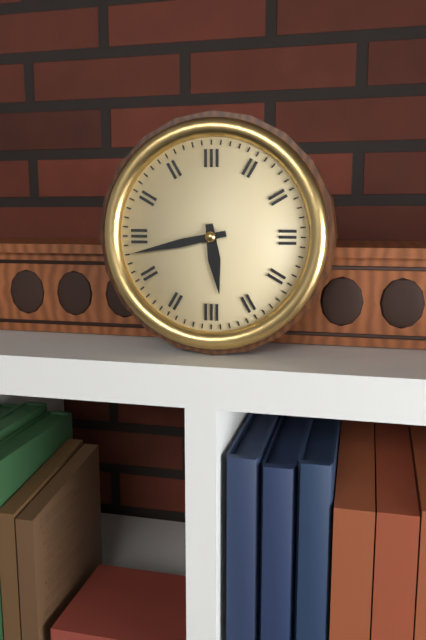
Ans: {"hour": 5, "minute": 43}
